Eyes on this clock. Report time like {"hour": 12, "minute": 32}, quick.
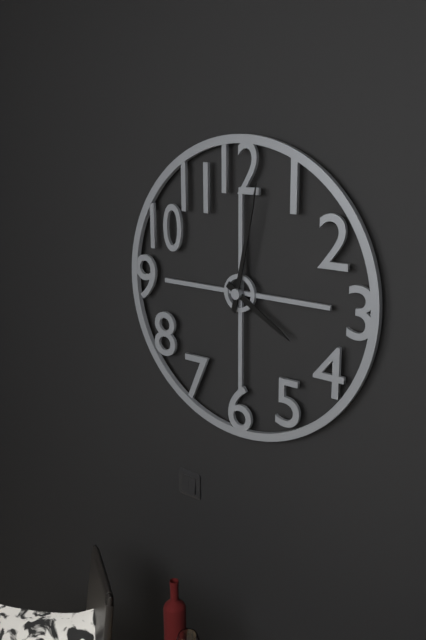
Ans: {"hour": 4, "minute": 2}
